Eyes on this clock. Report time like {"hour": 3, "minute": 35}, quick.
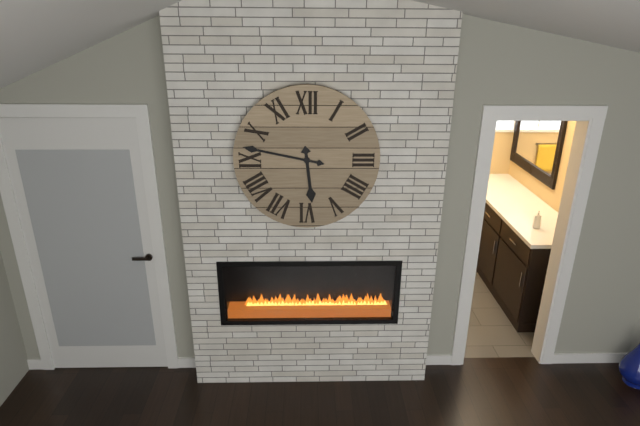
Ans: {"hour": 5, "minute": 47}
